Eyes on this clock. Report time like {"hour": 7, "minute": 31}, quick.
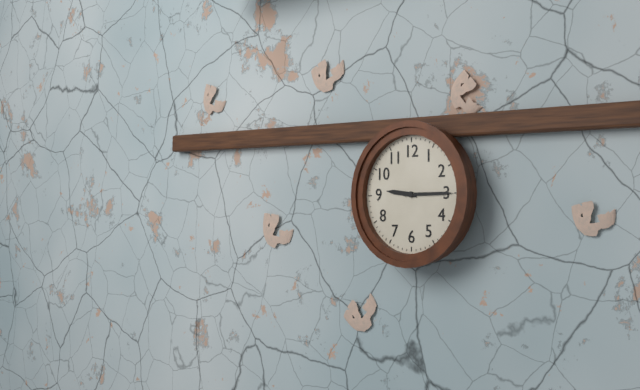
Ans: {"hour": 9, "minute": 15}
